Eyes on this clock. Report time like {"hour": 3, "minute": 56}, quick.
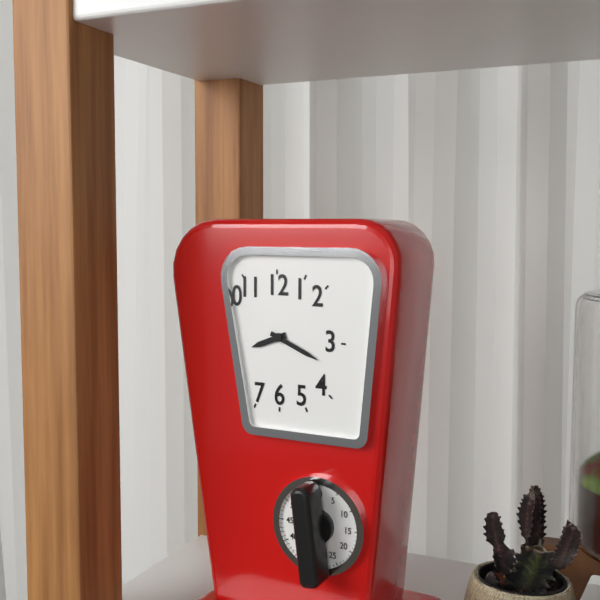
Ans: {"hour": 8, "minute": 19}
